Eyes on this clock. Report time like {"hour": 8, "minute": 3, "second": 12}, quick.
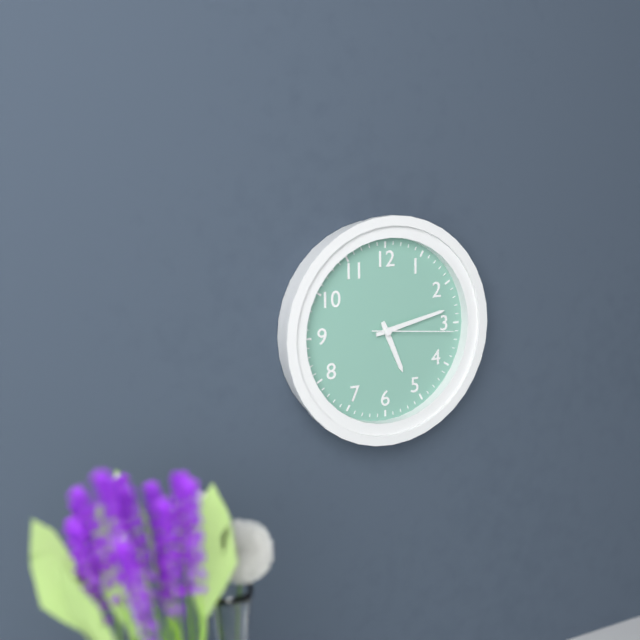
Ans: {"hour": 5, "minute": 13, "second": 16}
